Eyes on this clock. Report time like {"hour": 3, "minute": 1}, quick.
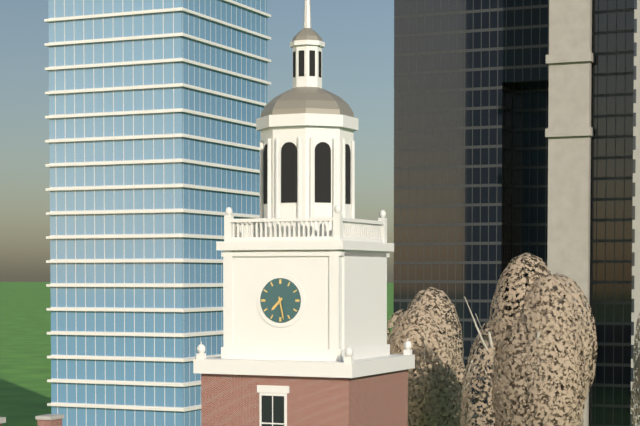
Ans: {"hour": 7, "minute": 28}
